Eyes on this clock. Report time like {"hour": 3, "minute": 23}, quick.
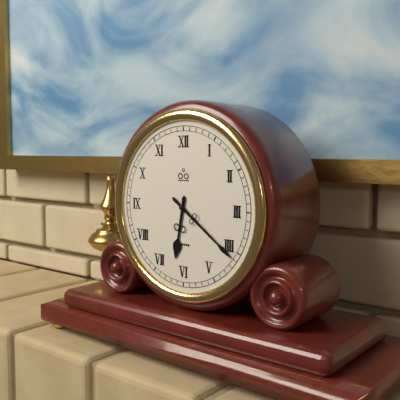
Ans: {"hour": 6, "minute": 21}
